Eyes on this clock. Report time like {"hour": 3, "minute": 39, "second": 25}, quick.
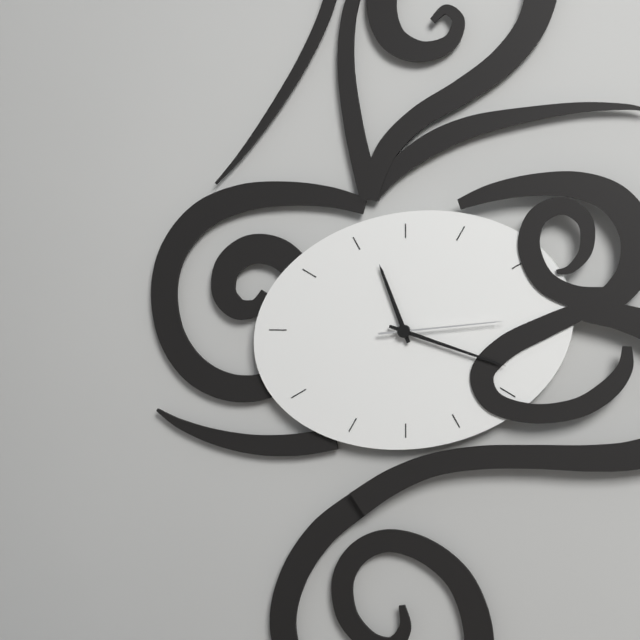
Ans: {"hour": 11, "minute": 18, "second": 14}
